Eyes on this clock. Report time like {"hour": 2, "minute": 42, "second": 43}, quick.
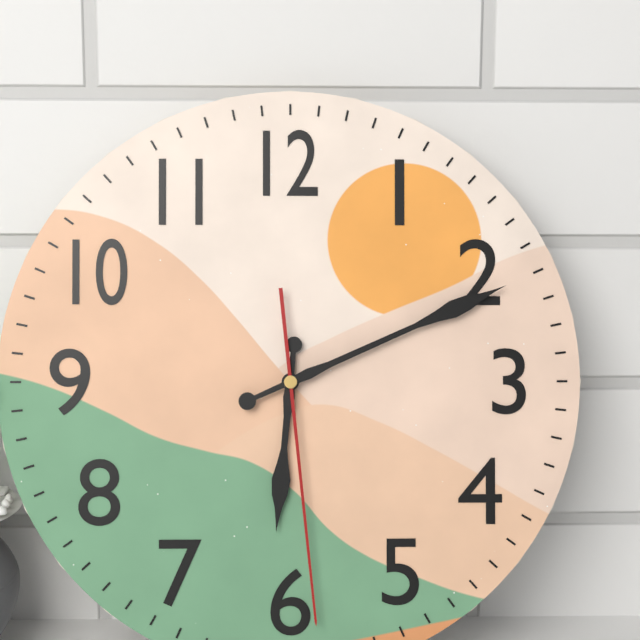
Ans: {"hour": 6, "minute": 11, "second": 29}
